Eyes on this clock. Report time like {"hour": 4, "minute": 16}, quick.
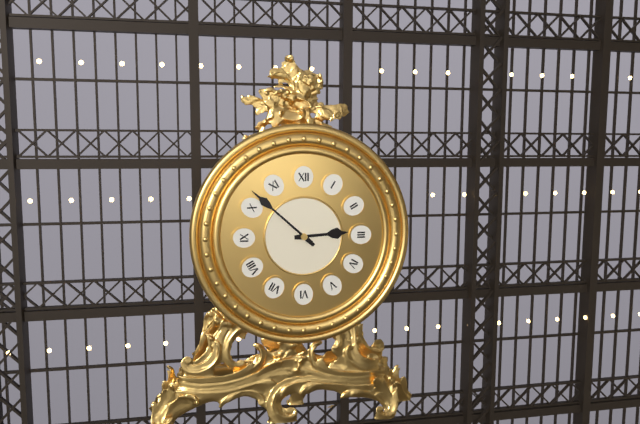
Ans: {"hour": 2, "minute": 52}
